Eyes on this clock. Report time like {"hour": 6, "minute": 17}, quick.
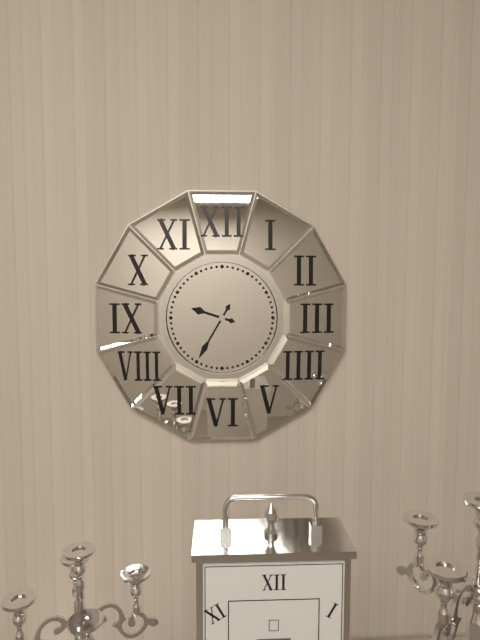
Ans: {"hour": 9, "minute": 35}
